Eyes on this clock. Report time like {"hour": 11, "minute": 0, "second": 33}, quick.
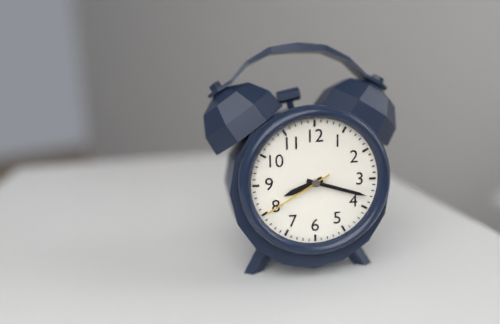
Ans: {"hour": 8, "minute": 18, "second": 40}
